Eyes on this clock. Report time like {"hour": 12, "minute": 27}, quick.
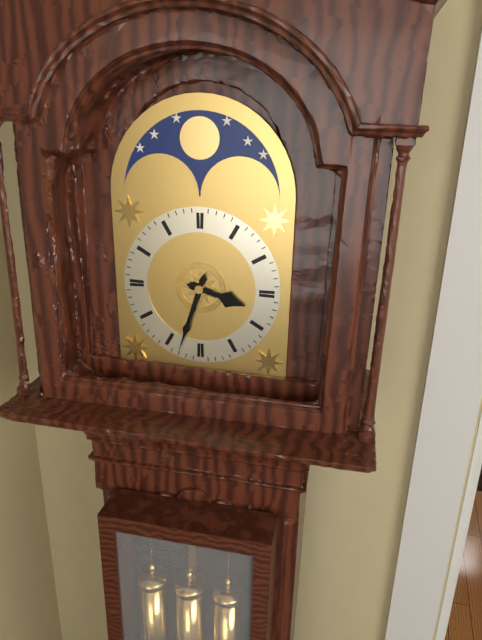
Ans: {"hour": 3, "minute": 33}
